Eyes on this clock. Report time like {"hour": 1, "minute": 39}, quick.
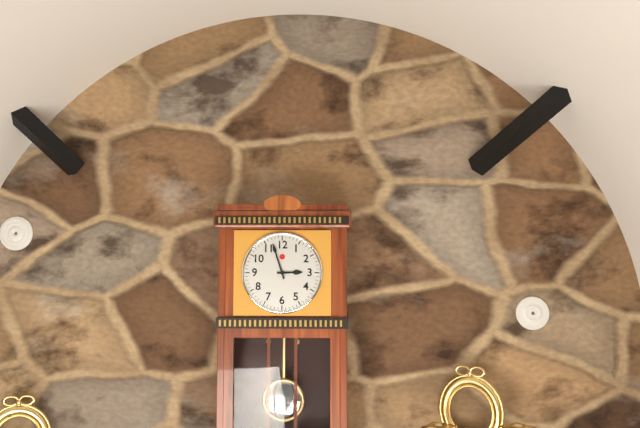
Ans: {"hour": 2, "minute": 57}
